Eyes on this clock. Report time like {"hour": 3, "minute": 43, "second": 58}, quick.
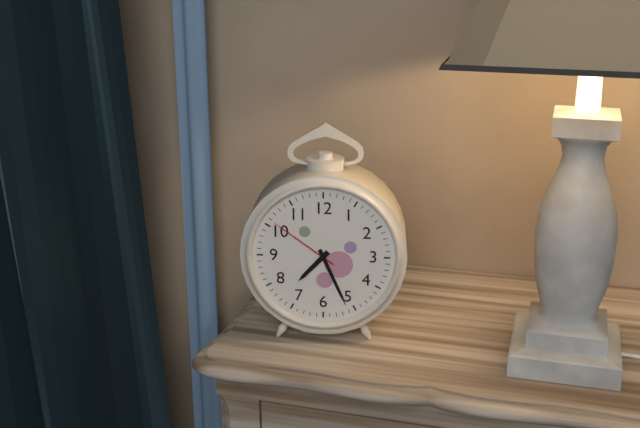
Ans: {"hour": 7, "minute": 26, "second": 51}
